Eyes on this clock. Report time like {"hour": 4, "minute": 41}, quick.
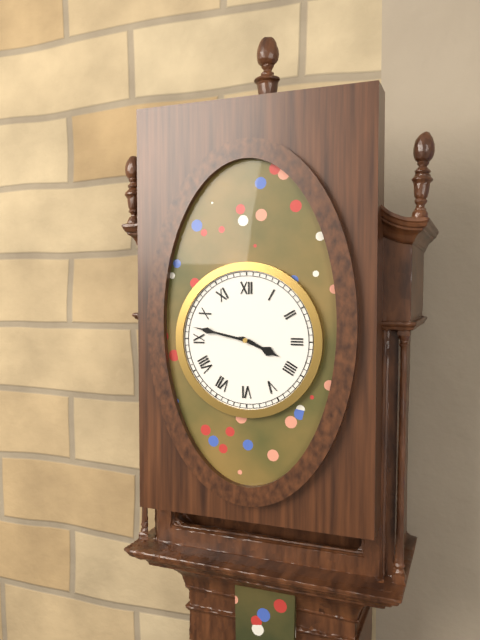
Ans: {"hour": 3, "minute": 47}
